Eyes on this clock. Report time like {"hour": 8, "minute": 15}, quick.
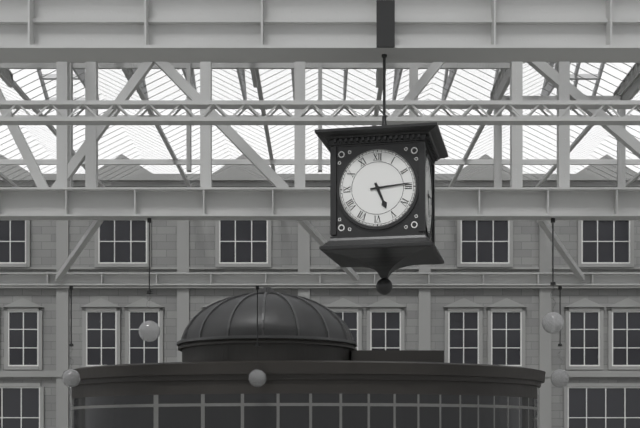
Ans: {"hour": 5, "minute": 14}
